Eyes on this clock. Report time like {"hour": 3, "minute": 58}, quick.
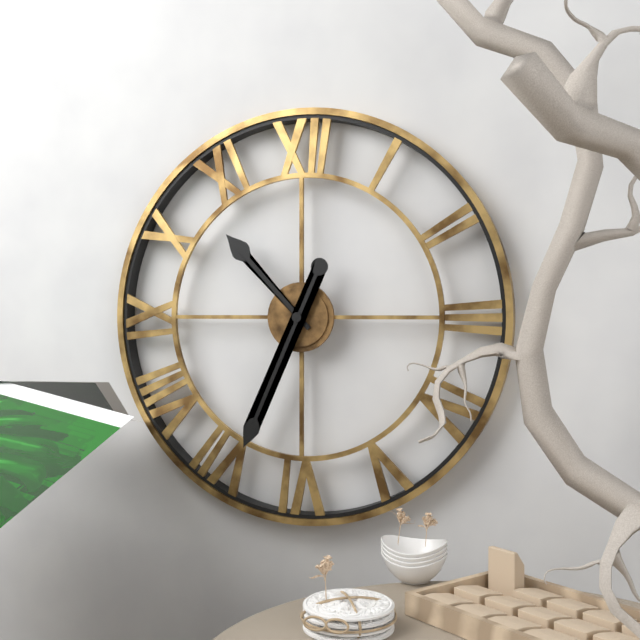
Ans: {"hour": 10, "minute": 34}
